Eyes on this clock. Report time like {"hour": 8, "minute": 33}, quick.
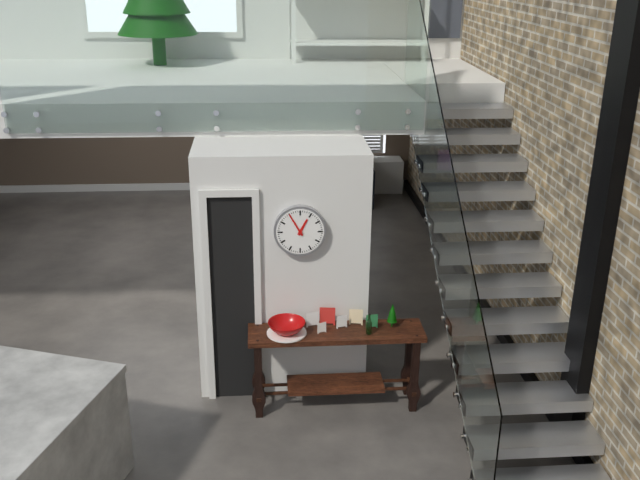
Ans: {"hour": 12, "minute": 55}
